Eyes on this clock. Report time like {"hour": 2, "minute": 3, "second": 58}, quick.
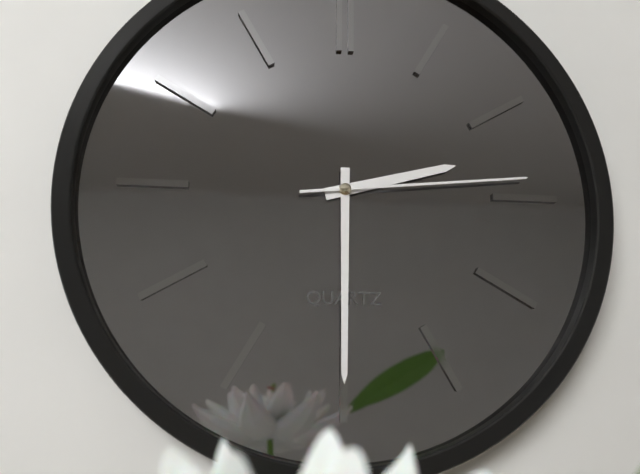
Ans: {"hour": 2, "minute": 30, "second": 14}
